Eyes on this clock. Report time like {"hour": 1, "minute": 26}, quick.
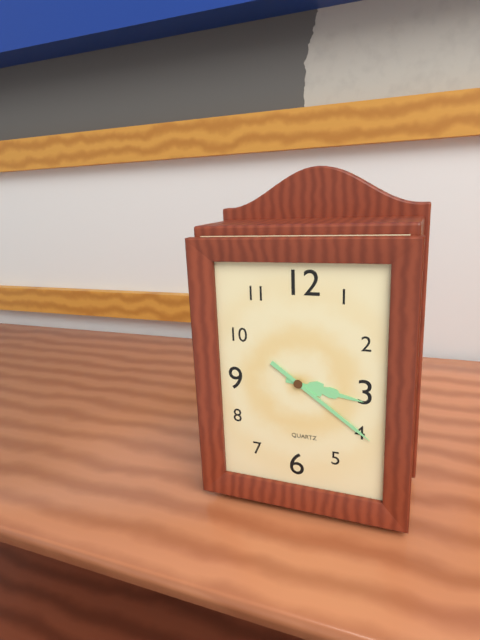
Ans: {"hour": 3, "minute": 21}
